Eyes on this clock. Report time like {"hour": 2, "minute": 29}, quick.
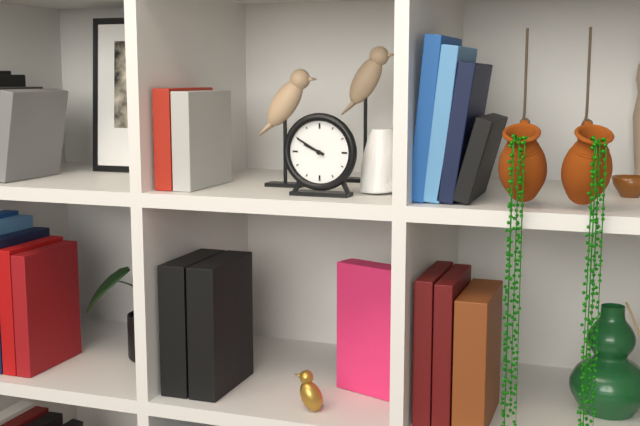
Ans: {"hour": 9, "minute": 50}
